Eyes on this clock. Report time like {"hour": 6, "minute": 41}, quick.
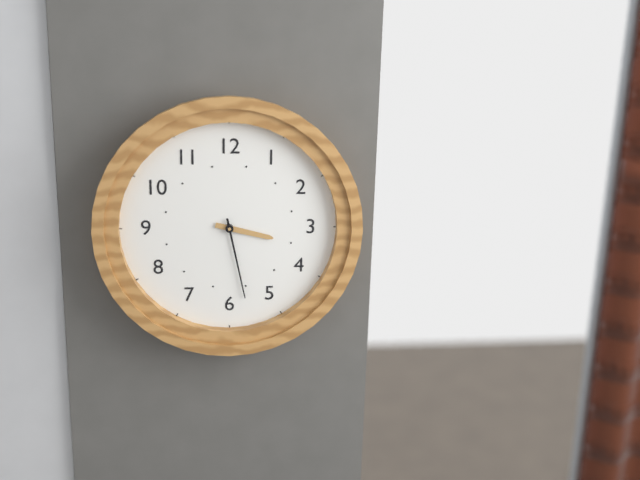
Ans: {"hour": 3, "minute": 28}
